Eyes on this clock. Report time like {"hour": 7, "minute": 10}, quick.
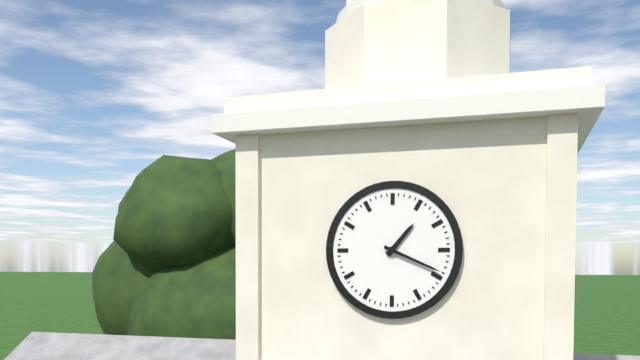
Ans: {"hour": 1, "minute": 19}
